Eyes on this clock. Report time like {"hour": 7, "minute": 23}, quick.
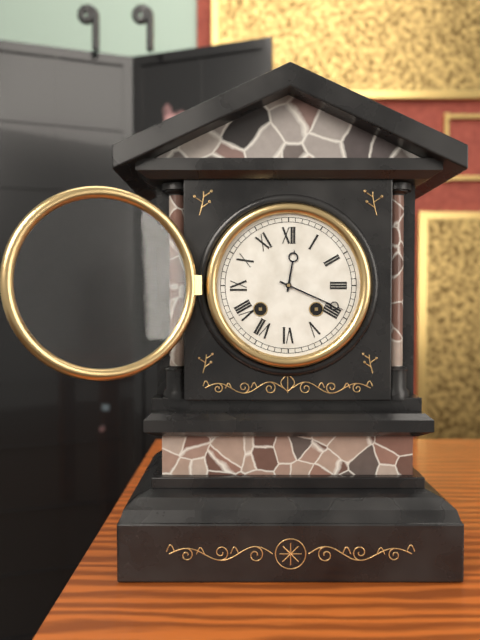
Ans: {"hour": 12, "minute": 19}
